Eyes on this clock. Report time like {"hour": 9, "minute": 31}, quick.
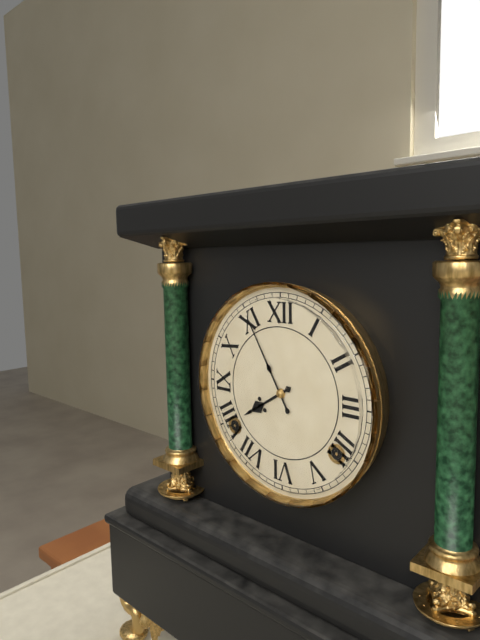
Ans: {"hour": 7, "minute": 55}
